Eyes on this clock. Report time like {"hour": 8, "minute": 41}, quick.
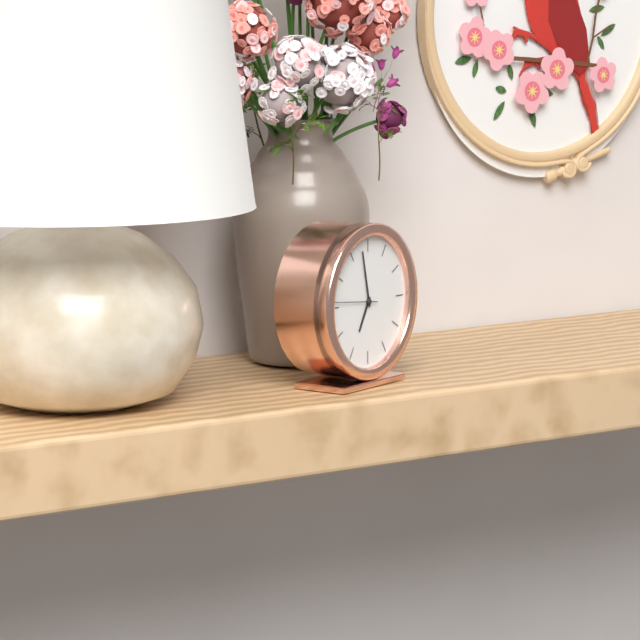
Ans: {"hour": 6, "minute": 58}
